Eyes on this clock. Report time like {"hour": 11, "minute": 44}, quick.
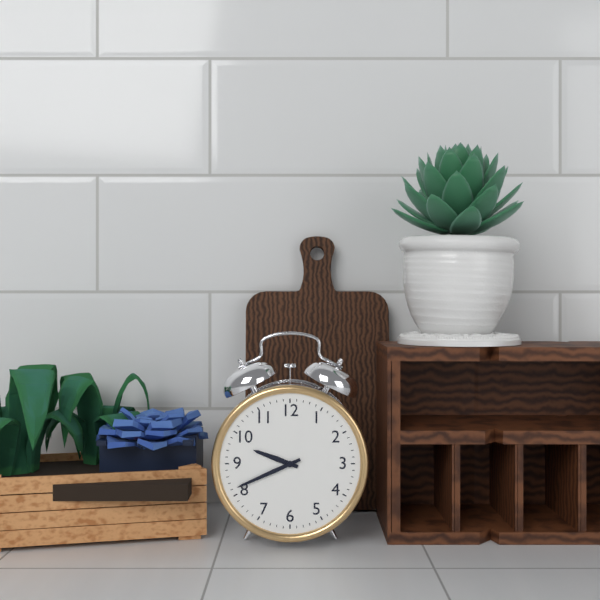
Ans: {"hour": 9, "minute": 41}
